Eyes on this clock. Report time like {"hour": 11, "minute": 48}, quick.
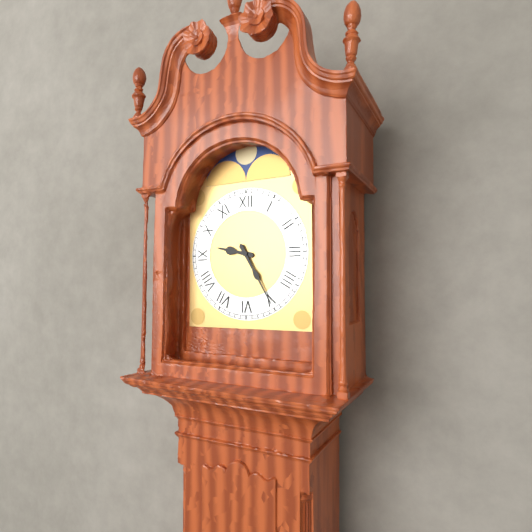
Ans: {"hour": 9, "minute": 25}
